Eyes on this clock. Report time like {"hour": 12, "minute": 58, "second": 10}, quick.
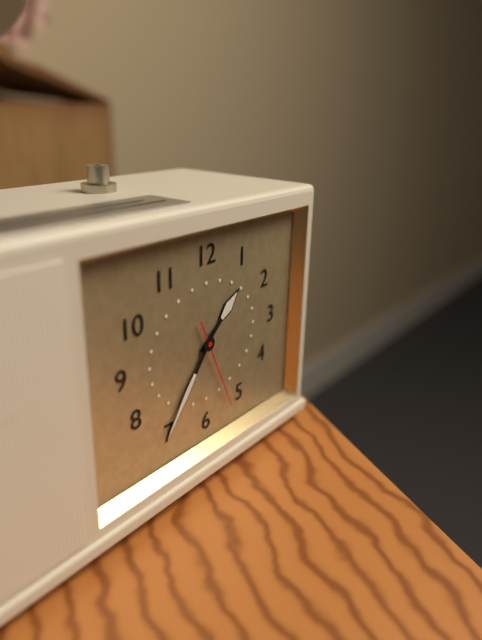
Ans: {"hour": 1, "minute": 36, "second": 26}
